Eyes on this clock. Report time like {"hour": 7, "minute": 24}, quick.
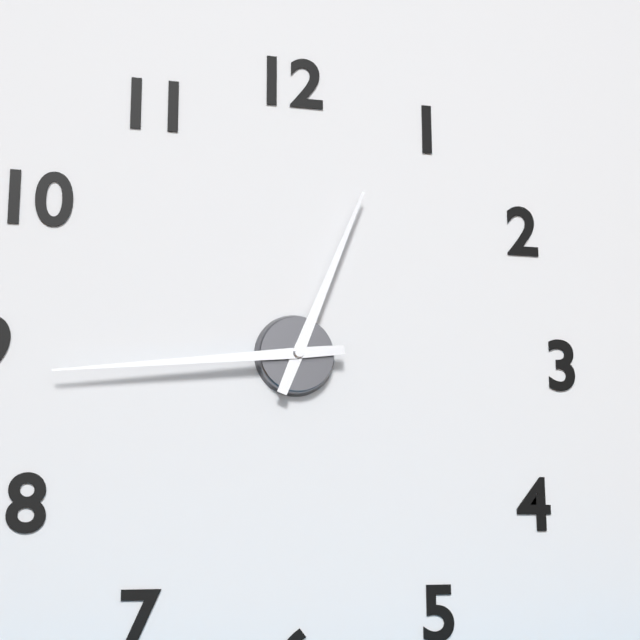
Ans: {"hour": 12, "minute": 44}
